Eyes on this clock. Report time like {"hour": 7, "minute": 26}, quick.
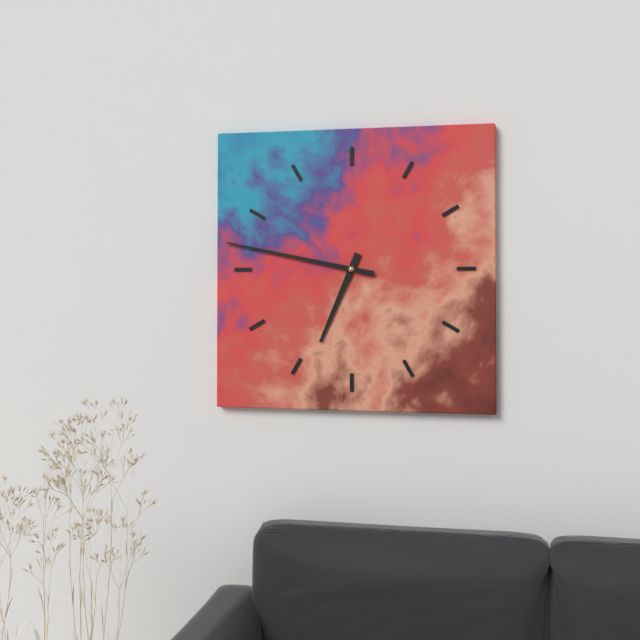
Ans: {"hour": 6, "minute": 47}
